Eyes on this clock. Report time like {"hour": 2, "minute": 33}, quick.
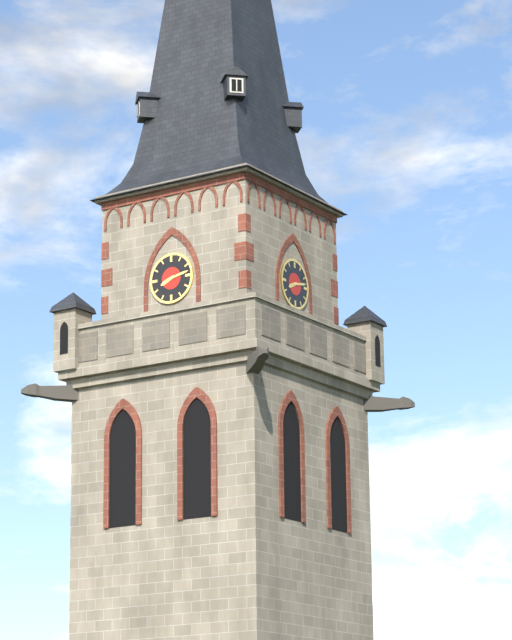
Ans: {"hour": 8, "minute": 13}
